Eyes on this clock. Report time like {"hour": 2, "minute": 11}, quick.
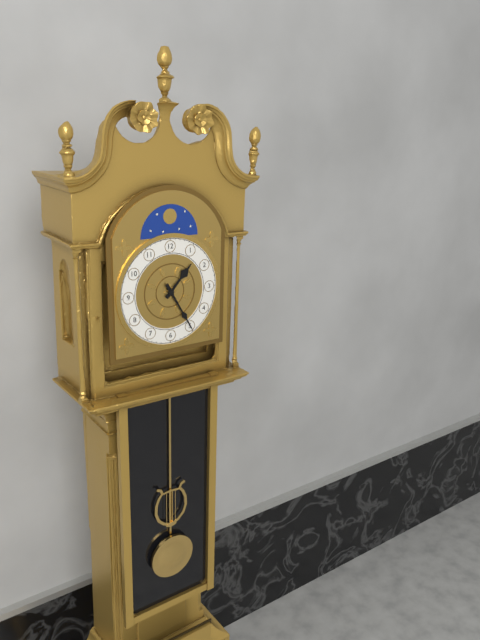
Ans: {"hour": 1, "minute": 25}
